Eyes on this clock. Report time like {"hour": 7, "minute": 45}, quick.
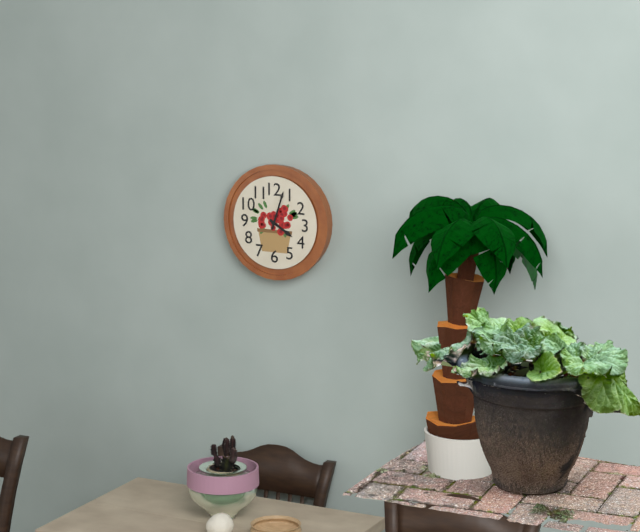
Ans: {"hour": 4, "minute": 3}
